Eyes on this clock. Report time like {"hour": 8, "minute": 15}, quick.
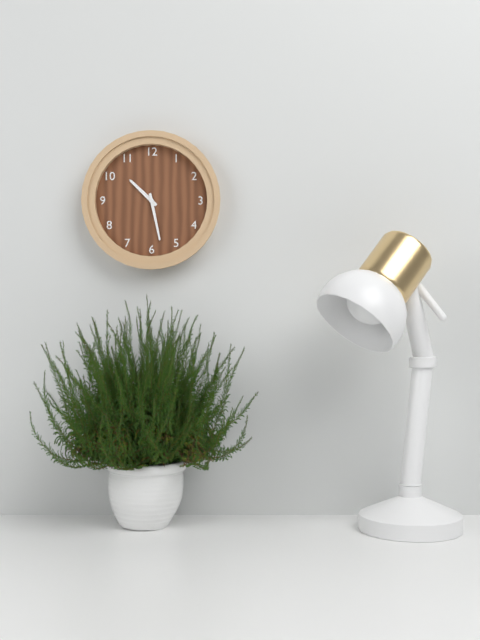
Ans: {"hour": 10, "minute": 28}
